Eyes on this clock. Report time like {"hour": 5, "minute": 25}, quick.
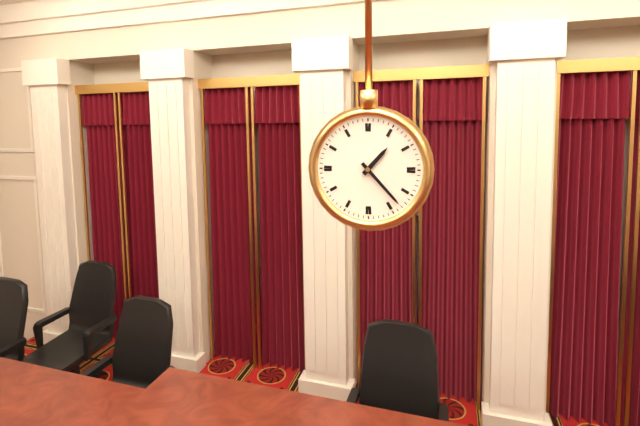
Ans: {"hour": 1, "minute": 23}
